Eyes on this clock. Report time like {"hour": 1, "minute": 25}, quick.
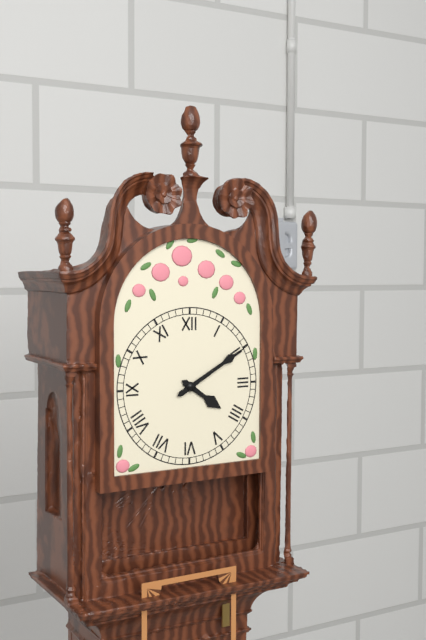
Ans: {"hour": 4, "minute": 10}
